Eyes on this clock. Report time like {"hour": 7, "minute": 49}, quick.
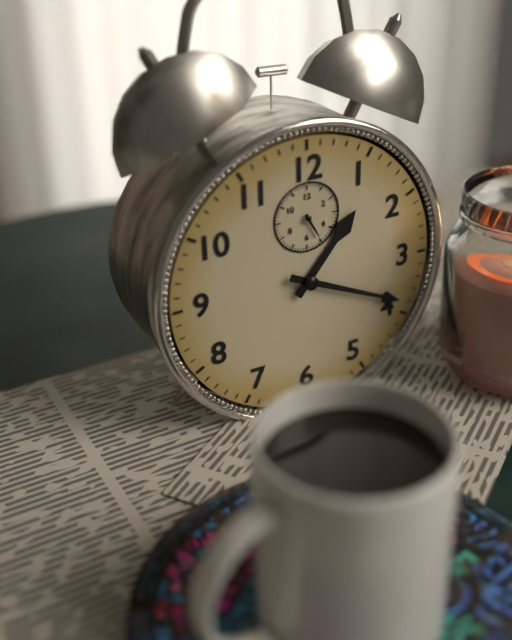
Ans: {"hour": 1, "minute": 19}
